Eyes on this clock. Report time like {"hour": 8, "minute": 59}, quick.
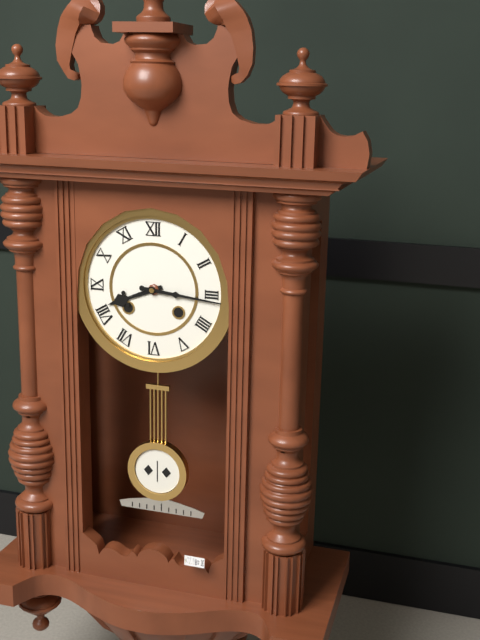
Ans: {"hour": 8, "minute": 16}
